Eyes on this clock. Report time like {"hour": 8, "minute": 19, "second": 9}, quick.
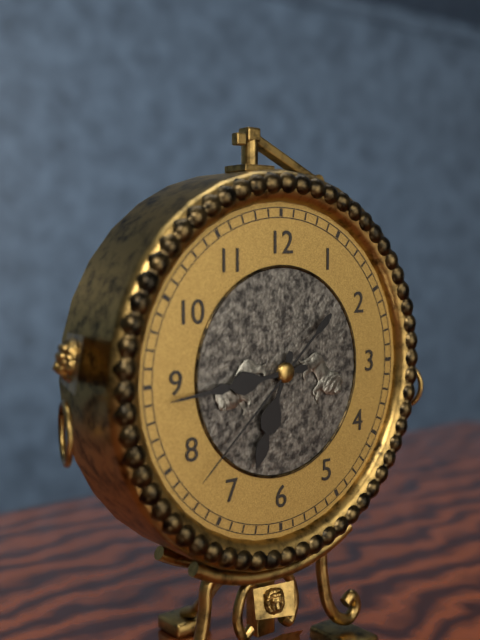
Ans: {"hour": 6, "minute": 44, "second": 38}
